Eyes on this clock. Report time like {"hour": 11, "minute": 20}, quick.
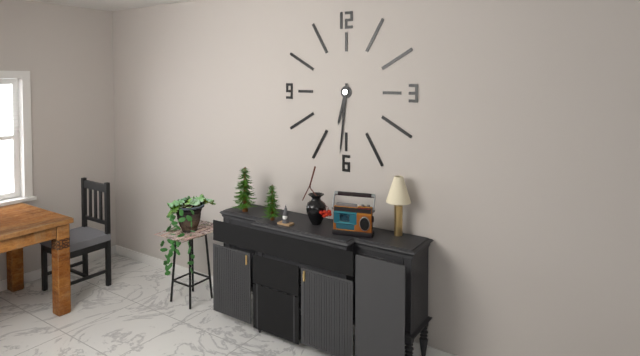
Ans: {"hour": 6, "minute": 31}
